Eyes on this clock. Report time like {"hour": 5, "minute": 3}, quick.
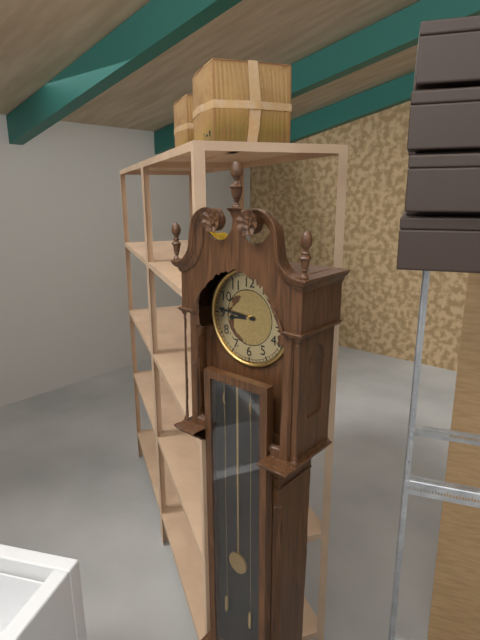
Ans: {"hour": 8, "minute": 46}
